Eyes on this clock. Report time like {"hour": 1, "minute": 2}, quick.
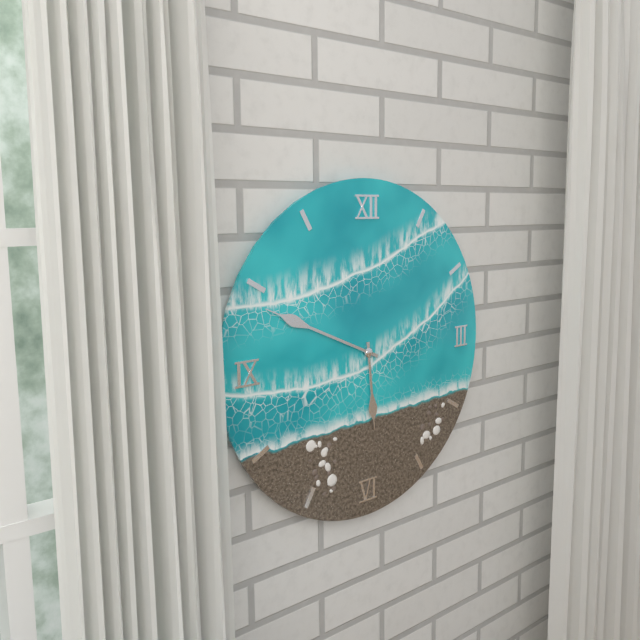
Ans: {"hour": 5, "minute": 49}
